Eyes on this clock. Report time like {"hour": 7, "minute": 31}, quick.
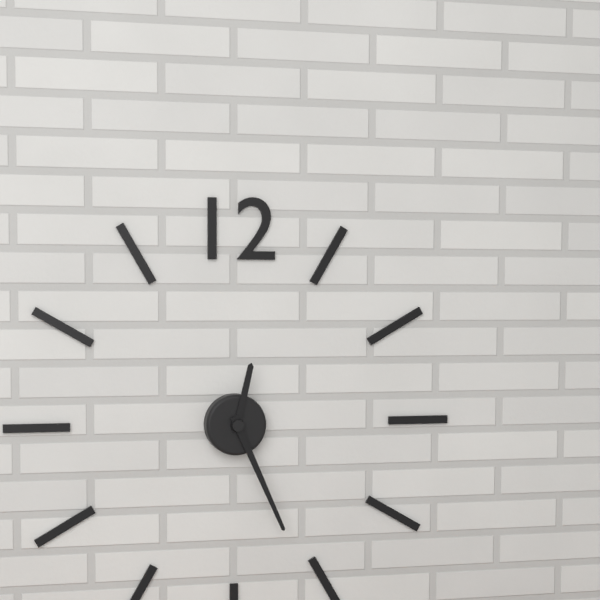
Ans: {"hour": 12, "minute": 26}
